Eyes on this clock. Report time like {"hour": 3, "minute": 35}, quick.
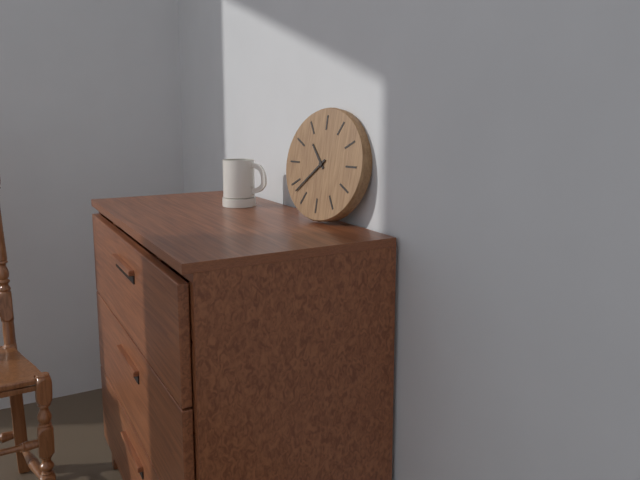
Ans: {"hour": 10, "minute": 38}
